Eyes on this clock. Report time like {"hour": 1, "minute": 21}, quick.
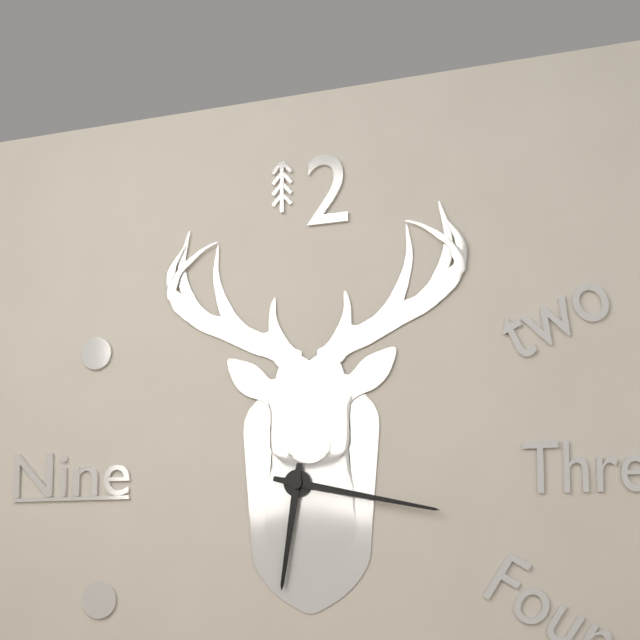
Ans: {"hour": 6, "minute": 17}
